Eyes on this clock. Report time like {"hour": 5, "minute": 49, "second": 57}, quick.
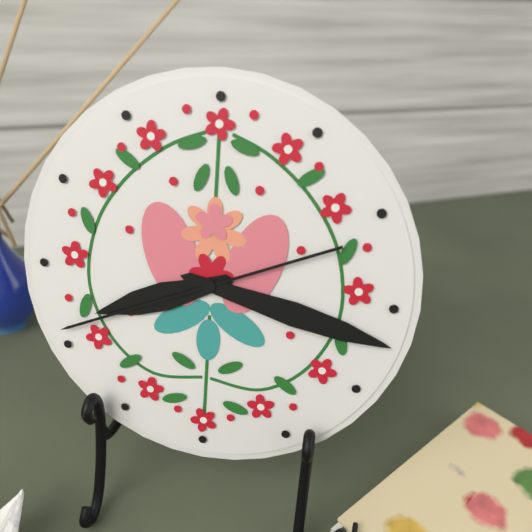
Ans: {"hour": 8, "minute": 17, "second": 41}
